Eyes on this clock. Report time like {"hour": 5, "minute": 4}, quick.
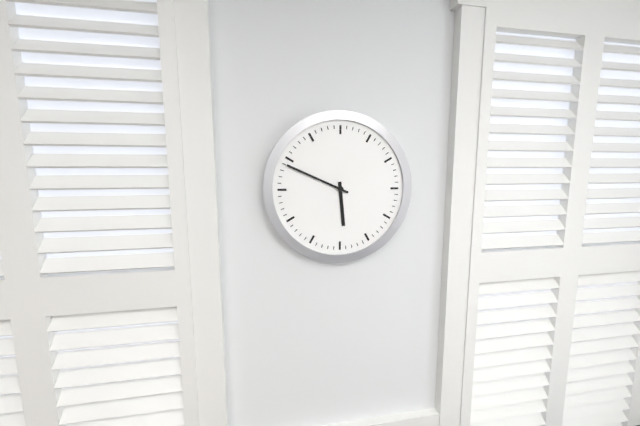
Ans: {"hour": 5, "minute": 49}
